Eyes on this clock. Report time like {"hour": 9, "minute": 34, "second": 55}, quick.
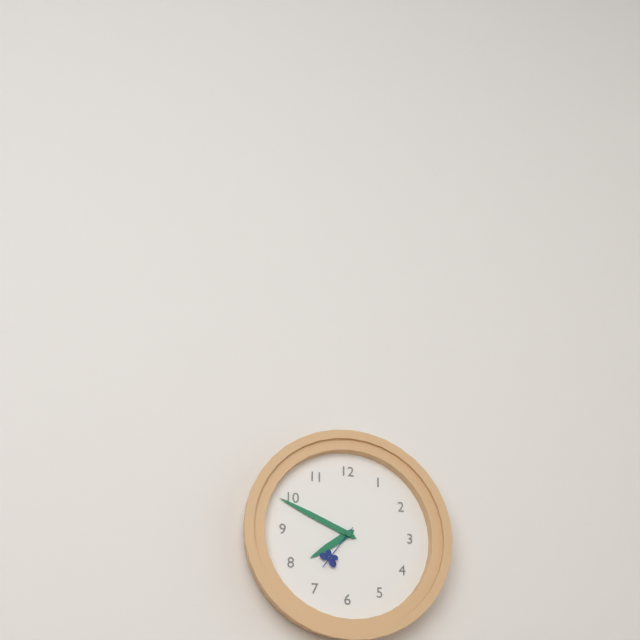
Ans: {"hour": 7, "minute": 49, "second": 36}
